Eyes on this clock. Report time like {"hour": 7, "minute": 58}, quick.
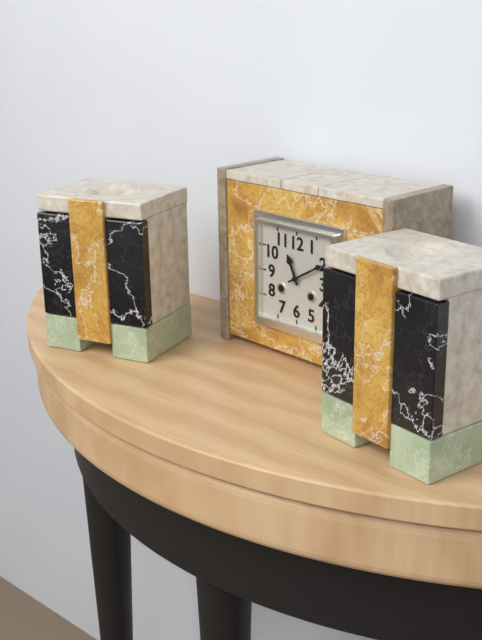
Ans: {"hour": 11, "minute": 10}
